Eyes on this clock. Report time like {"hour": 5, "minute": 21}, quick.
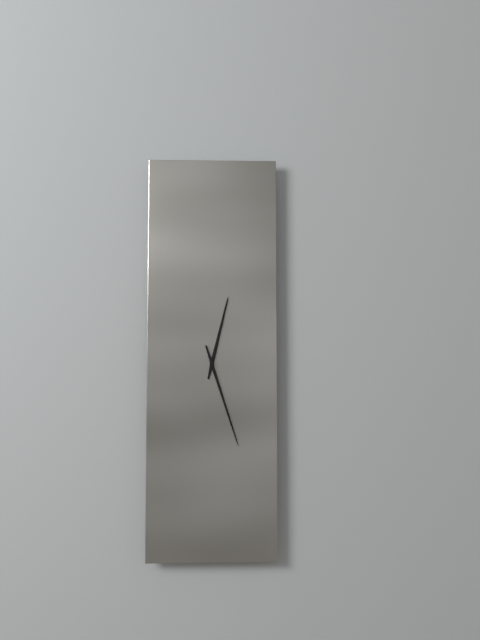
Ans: {"hour": 12, "minute": 27}
